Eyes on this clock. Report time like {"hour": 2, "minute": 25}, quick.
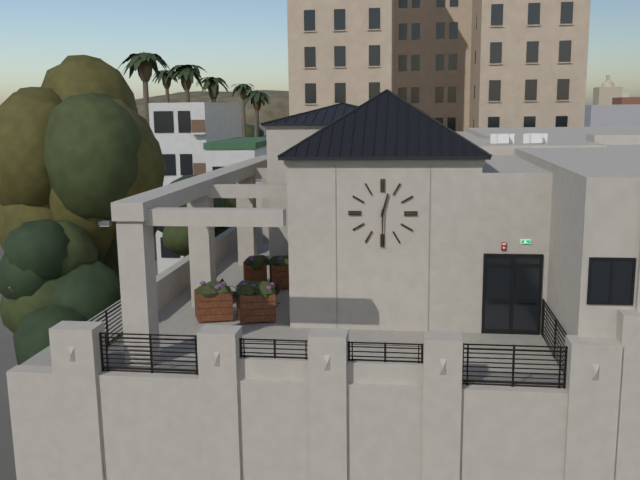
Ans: {"hour": 12, "minute": 30}
